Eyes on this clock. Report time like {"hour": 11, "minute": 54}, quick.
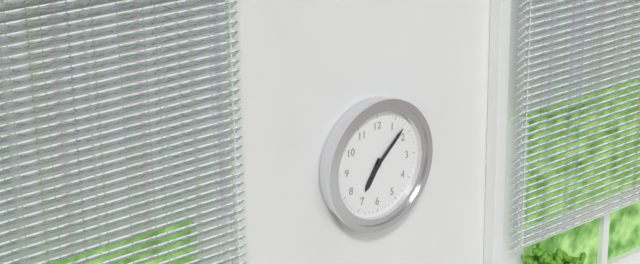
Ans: {"hour": 7, "minute": 8}
